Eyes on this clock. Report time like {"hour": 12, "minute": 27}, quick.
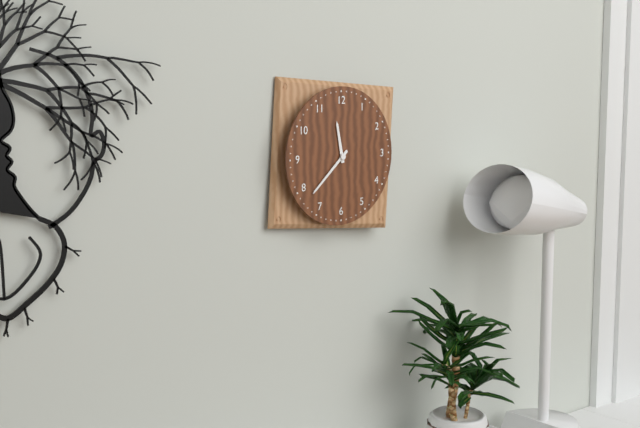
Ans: {"hour": 11, "minute": 38}
